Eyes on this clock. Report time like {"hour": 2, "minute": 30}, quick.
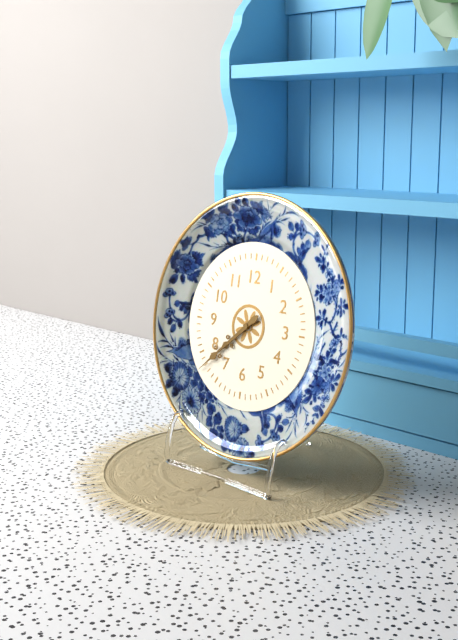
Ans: {"hour": 7, "minute": 38}
